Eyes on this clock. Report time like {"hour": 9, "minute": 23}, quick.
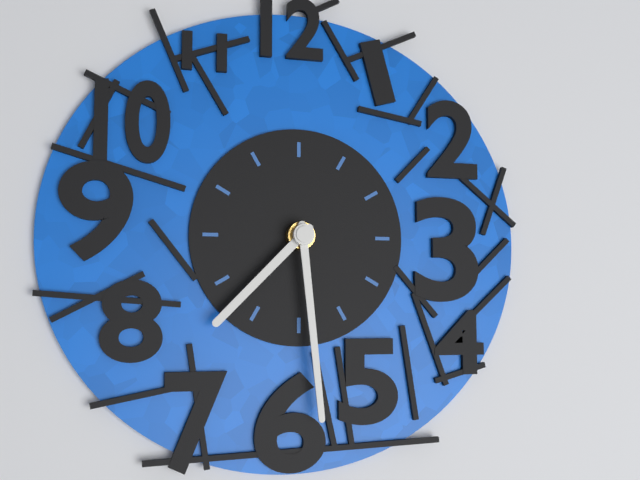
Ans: {"hour": 7, "minute": 29}
